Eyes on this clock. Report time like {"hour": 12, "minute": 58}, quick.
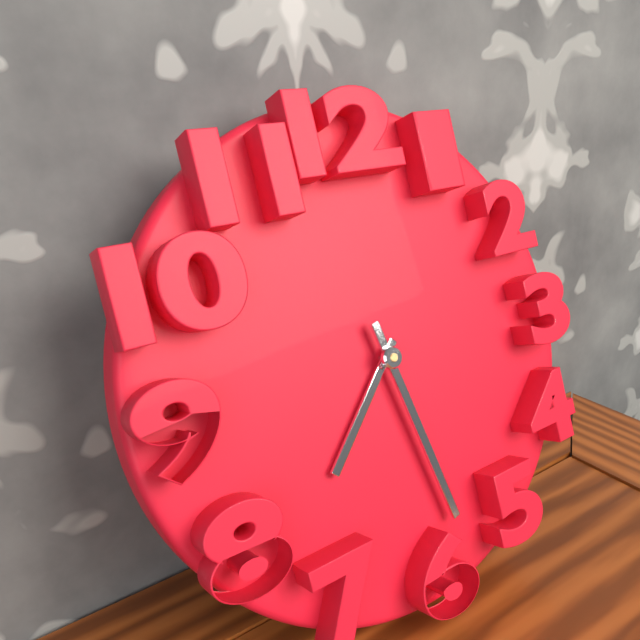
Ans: {"hour": 7, "minute": 28}
